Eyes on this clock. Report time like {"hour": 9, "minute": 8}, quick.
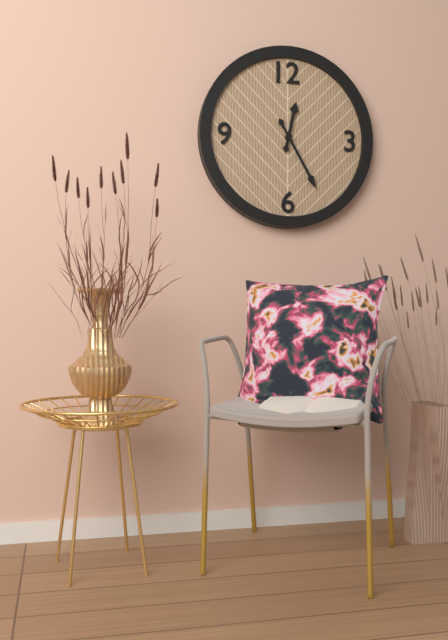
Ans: {"hour": 12, "minute": 25}
